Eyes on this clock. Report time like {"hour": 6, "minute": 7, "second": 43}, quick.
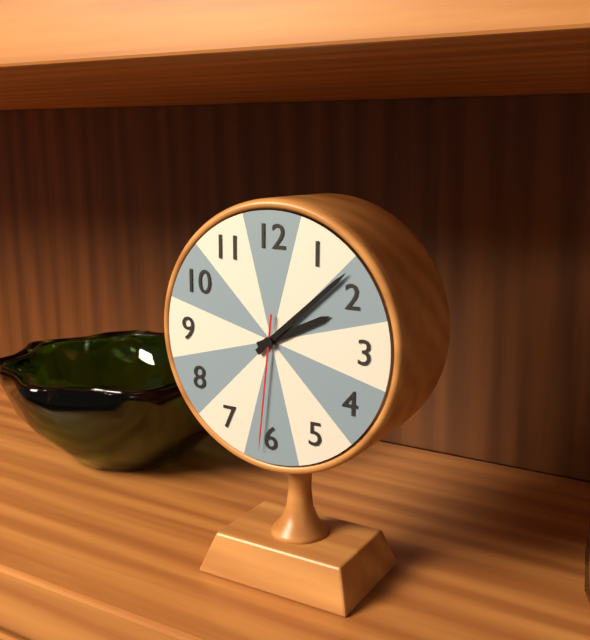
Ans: {"hour": 2, "minute": 8, "second": 31}
